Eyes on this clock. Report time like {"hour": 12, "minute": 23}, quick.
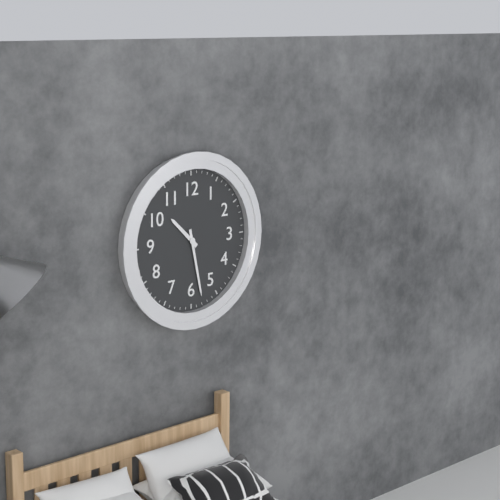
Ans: {"hour": 10, "minute": 28}
